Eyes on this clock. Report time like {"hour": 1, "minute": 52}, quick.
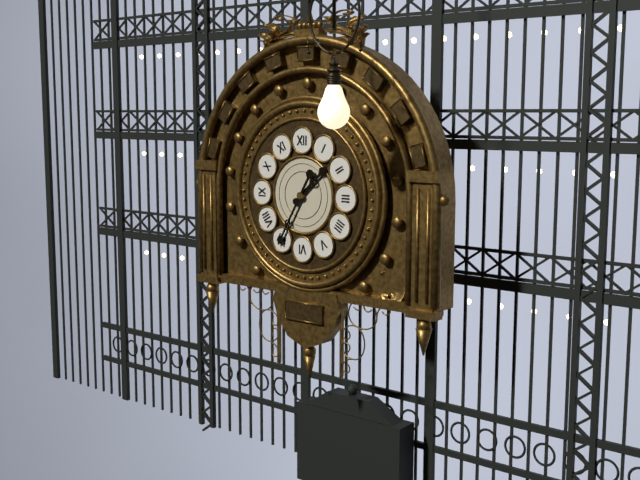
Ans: {"hour": 1, "minute": 35}
